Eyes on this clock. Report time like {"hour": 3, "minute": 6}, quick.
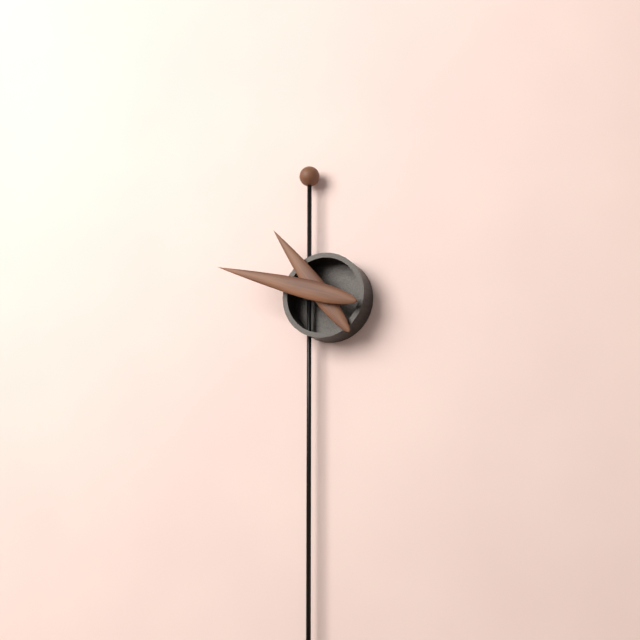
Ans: {"hour": 10, "minute": 48}
